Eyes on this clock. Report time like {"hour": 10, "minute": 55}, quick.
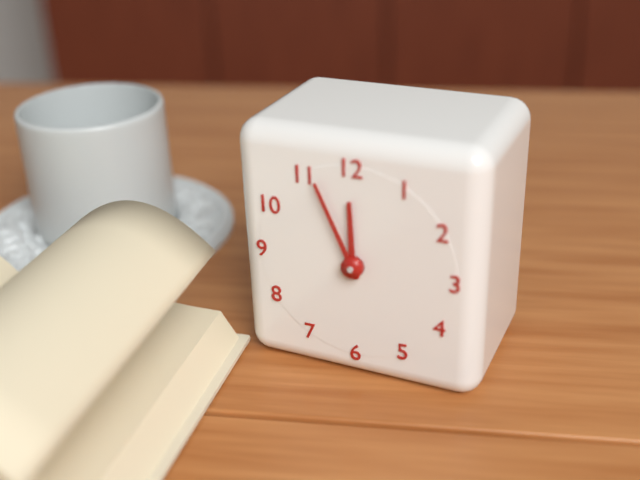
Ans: {"hour": 11, "minute": 56}
